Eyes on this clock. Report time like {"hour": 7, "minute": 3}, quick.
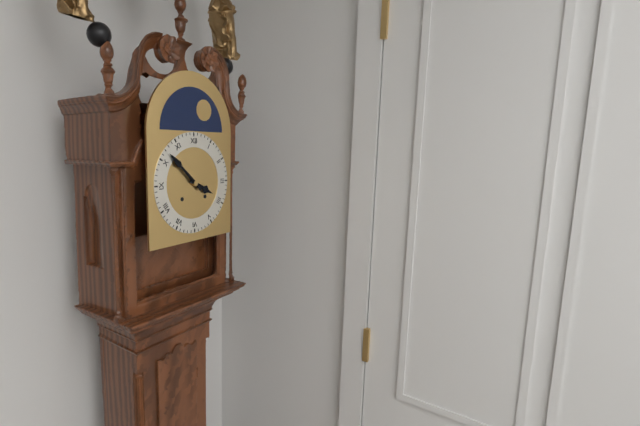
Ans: {"hour": 3, "minute": 52}
